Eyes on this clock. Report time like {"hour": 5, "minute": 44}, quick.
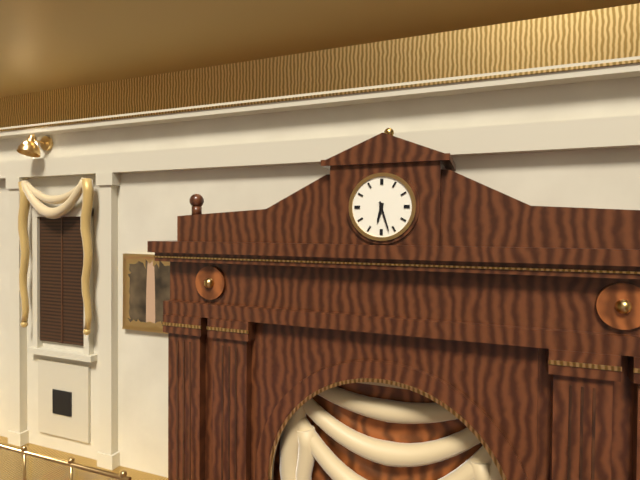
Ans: {"hour": 6, "minute": 27}
